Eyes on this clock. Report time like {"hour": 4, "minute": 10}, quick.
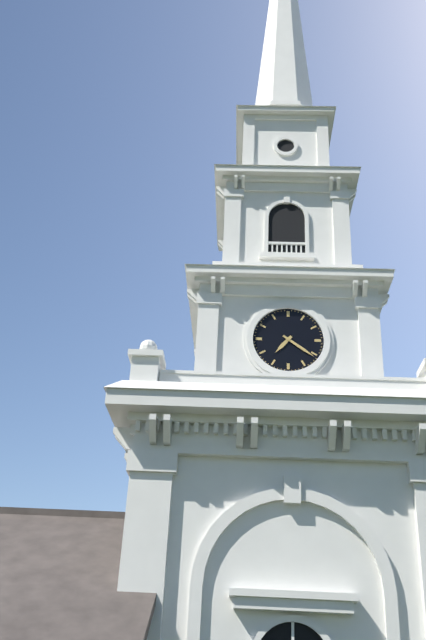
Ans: {"hour": 7, "minute": 21}
